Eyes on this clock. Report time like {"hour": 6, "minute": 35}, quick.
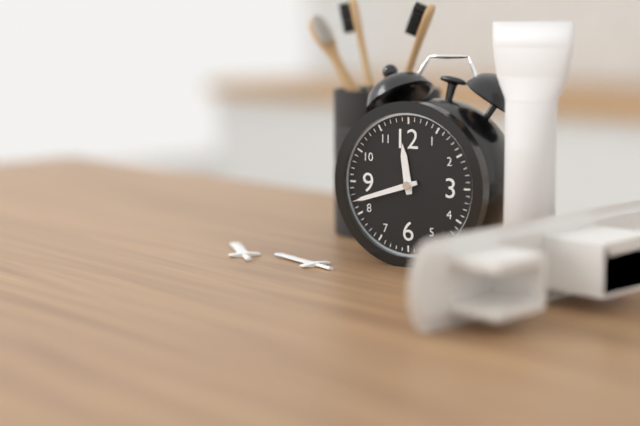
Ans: {"hour": 11, "minute": 42}
